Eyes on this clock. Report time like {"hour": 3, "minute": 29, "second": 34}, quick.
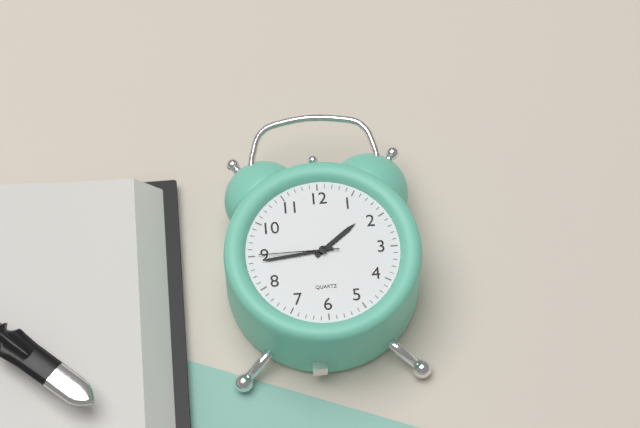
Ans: {"hour": 1, "minute": 44, "second": 45}
